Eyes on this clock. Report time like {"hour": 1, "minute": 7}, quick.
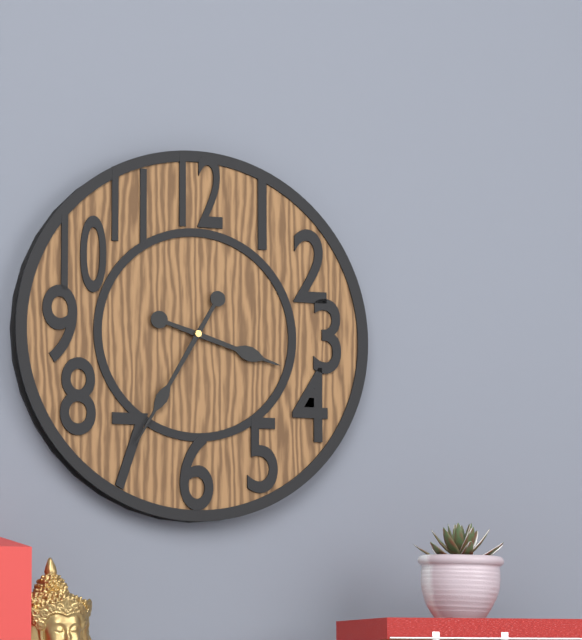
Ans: {"hour": 3, "minute": 35}
